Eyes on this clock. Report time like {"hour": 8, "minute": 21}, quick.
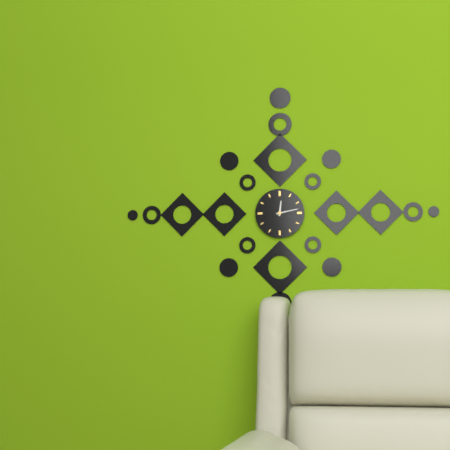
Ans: {"hour": 12, "minute": 13}
